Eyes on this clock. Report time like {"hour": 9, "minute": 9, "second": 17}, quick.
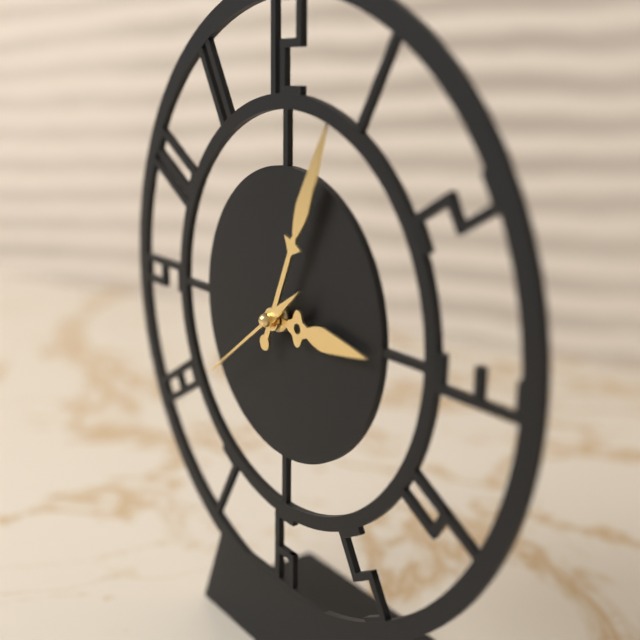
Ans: {"hour": 3, "minute": 4, "second": 39}
